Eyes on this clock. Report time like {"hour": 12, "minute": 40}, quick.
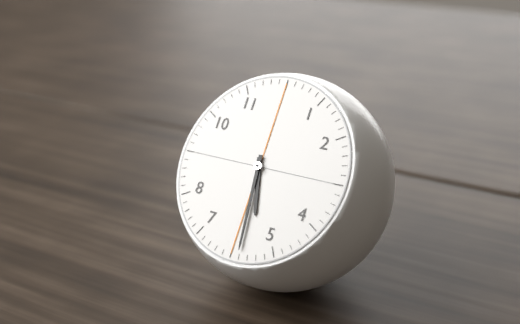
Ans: {"hour": 5, "minute": 29}
